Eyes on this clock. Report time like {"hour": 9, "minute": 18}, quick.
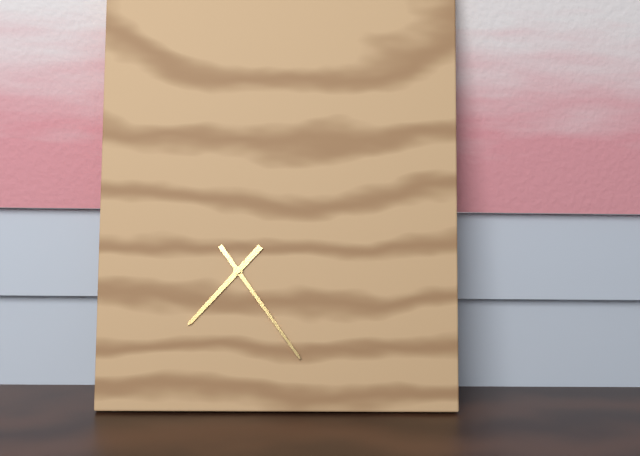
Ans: {"hour": 7, "minute": 24}
